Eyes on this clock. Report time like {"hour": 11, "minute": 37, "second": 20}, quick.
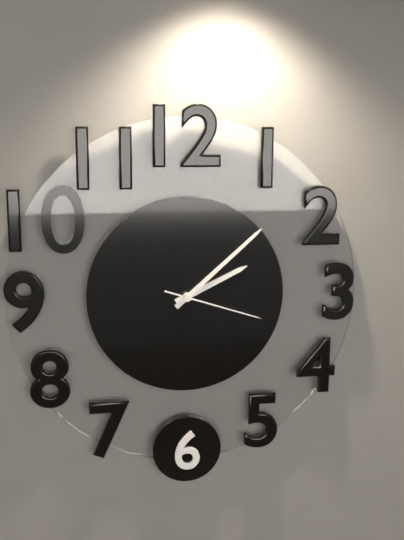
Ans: {"hour": 2, "minute": 8, "second": 18}
